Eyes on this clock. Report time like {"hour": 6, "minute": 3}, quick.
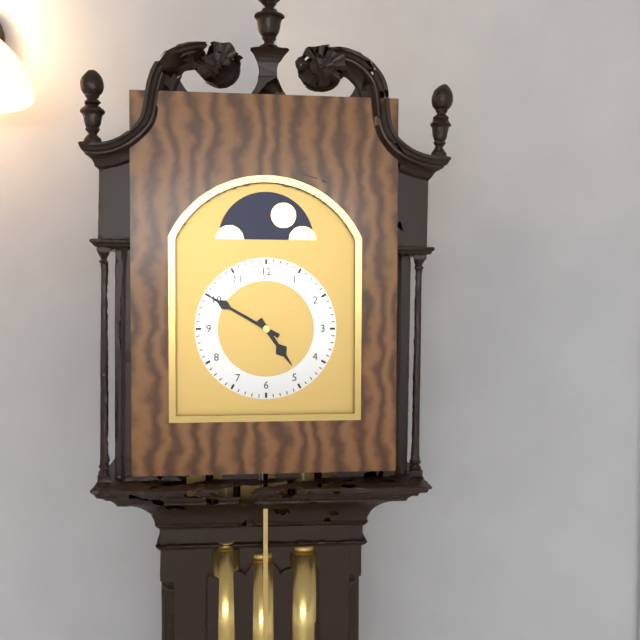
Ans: {"hour": 4, "minute": 50}
